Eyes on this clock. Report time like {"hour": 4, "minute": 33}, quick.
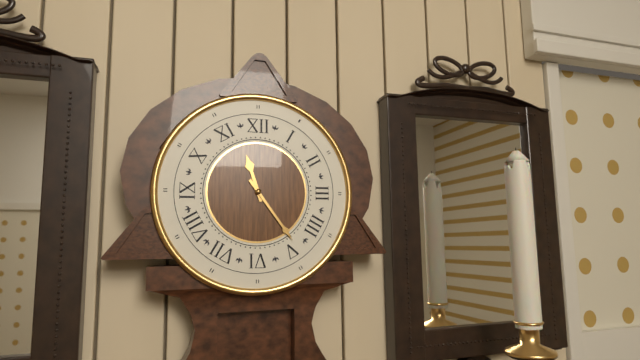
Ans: {"hour": 11, "minute": 24}
